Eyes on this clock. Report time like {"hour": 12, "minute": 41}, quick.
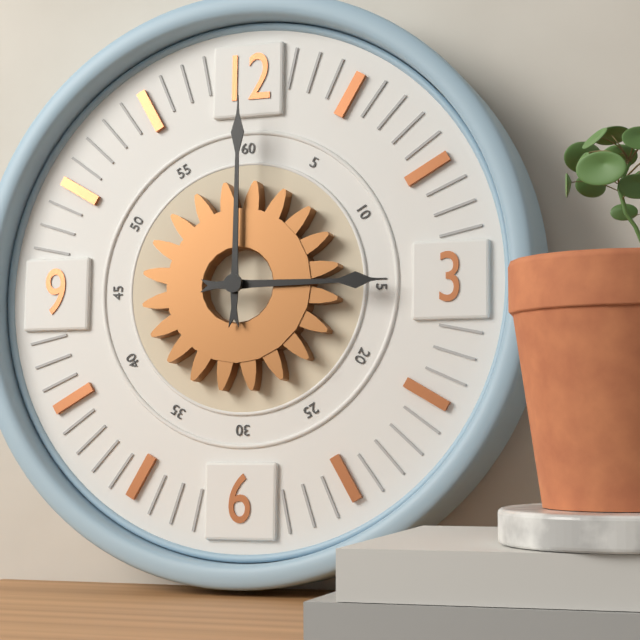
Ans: {"hour": 3, "minute": 0}
